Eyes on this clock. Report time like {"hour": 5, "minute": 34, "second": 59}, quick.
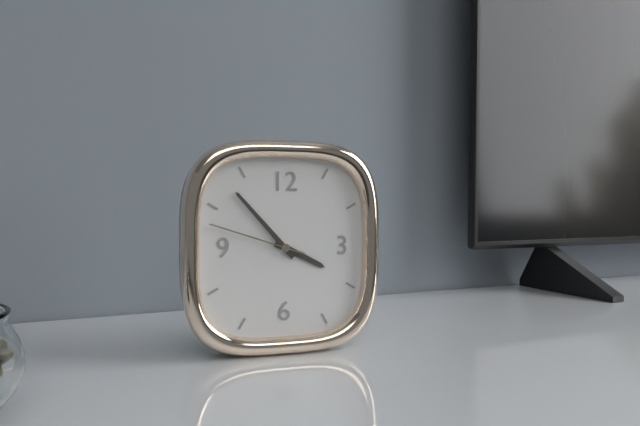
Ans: {"hour": 3, "minute": 53, "second": 48}
